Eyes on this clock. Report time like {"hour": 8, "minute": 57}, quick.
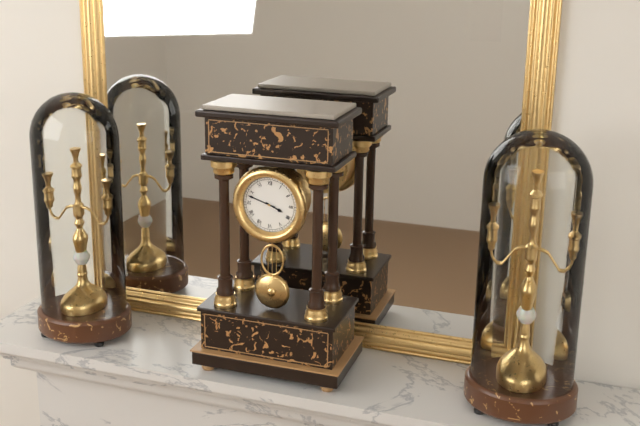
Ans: {"hour": 3, "minute": 48}
